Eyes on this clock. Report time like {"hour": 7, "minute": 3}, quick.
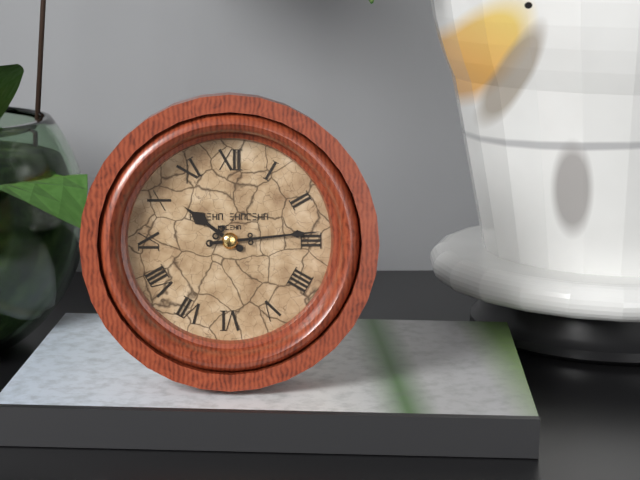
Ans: {"hour": 10, "minute": 14}
